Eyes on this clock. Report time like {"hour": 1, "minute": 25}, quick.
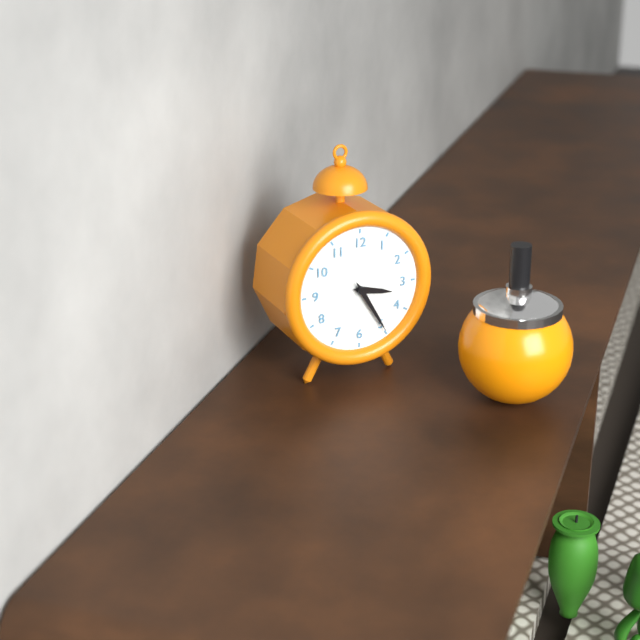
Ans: {"hour": 3, "minute": 25}
